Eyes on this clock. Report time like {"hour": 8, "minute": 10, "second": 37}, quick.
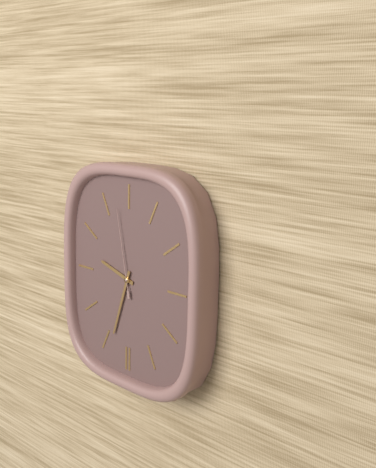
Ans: {"hour": 9, "minute": 33, "second": 58}
